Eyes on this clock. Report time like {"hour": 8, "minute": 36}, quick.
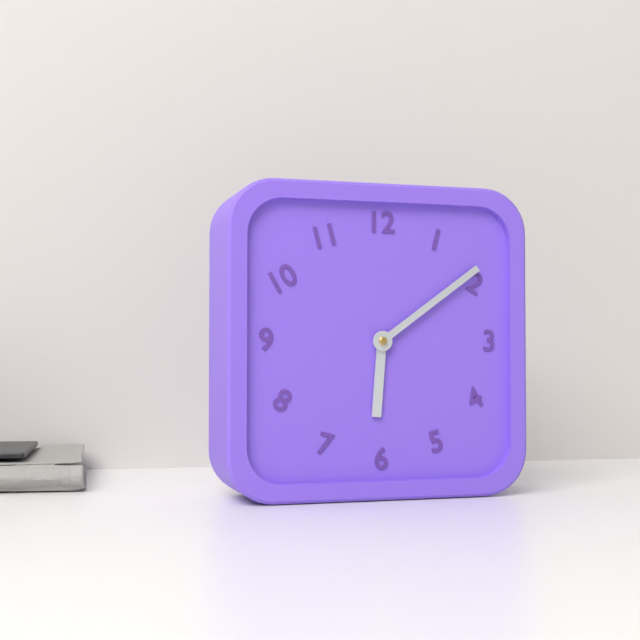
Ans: {"hour": 6, "minute": 9}
